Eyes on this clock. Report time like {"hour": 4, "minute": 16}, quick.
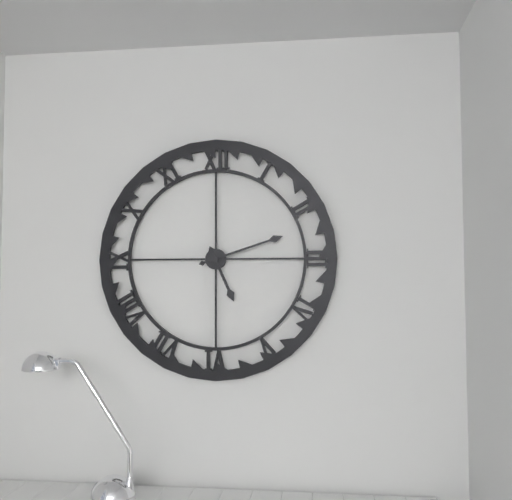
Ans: {"hour": 5, "minute": 12}
